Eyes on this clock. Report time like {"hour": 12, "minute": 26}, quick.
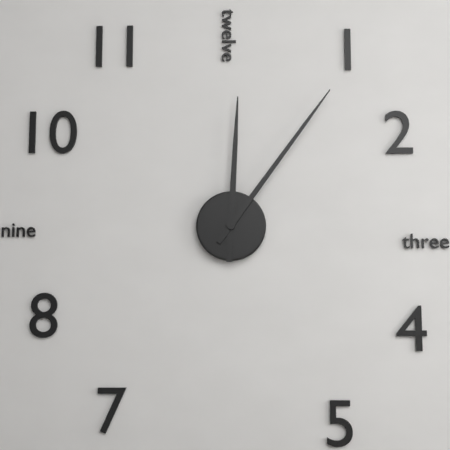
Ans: {"hour": 12, "minute": 6}
